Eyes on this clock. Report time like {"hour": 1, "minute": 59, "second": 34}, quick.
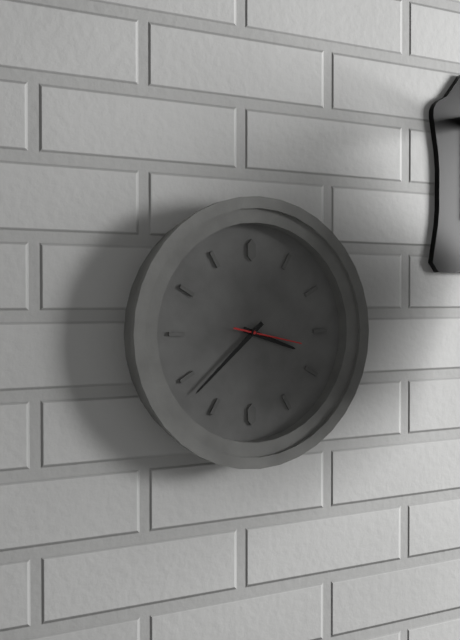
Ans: {"hour": 3, "minute": 38, "second": 17}
